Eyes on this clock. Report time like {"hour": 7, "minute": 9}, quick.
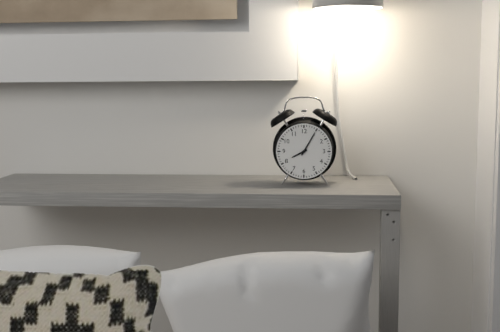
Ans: {"hour": 8, "minute": 5}
